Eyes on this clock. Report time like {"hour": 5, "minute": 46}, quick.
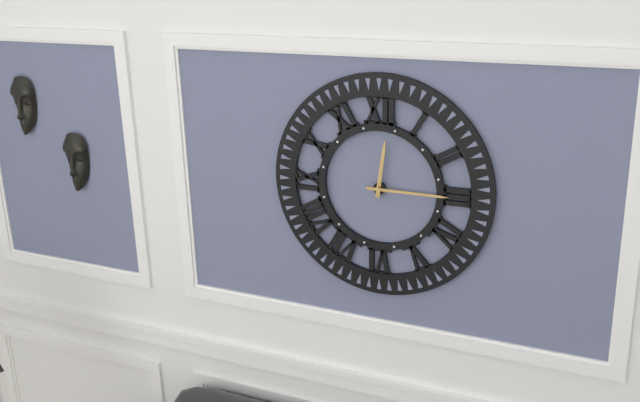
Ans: {"hour": 12, "minute": 15}
